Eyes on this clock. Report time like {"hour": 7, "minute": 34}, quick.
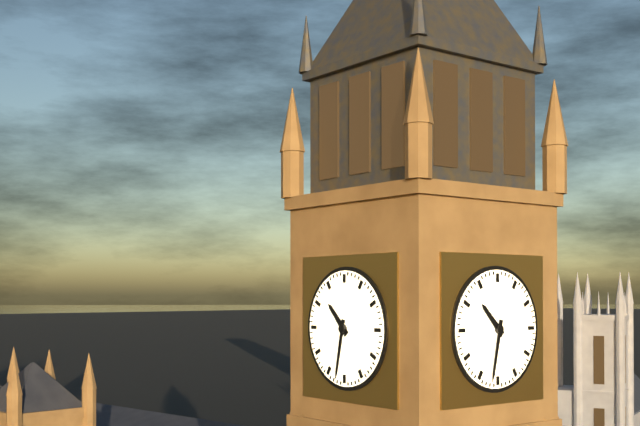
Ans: {"hour": 10, "minute": 32}
